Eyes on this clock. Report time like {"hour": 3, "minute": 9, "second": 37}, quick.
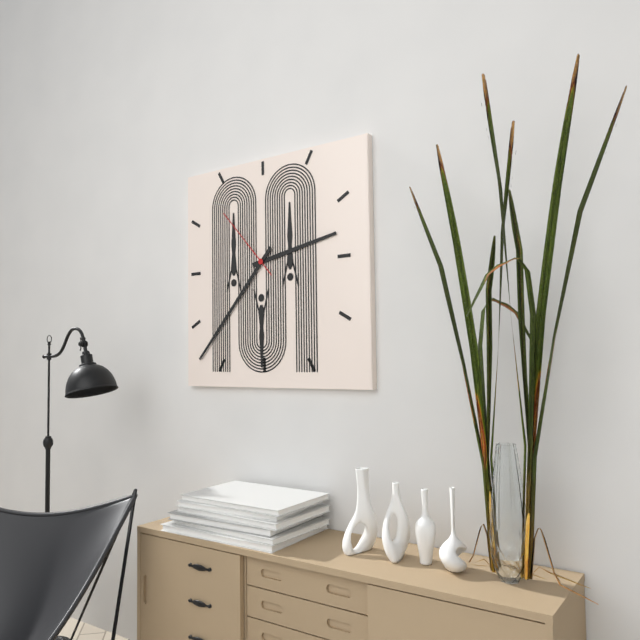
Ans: {"hour": 2, "minute": 37, "second": 53}
